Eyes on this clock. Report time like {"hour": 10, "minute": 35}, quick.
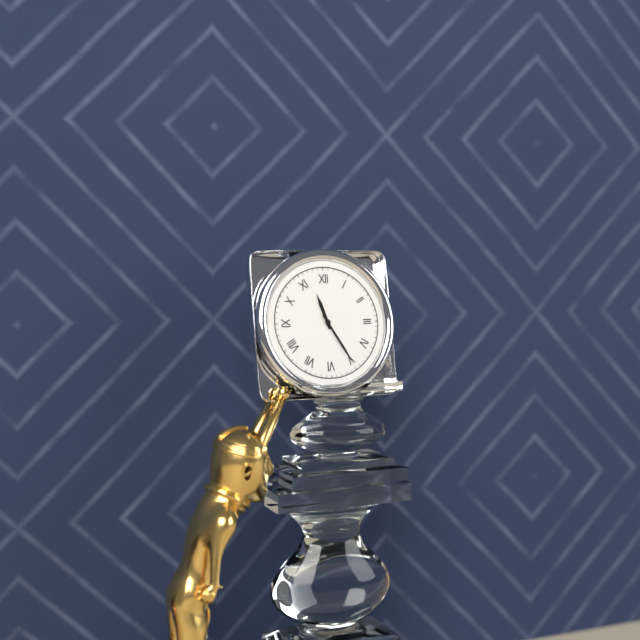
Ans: {"hour": 11, "minute": 25}
